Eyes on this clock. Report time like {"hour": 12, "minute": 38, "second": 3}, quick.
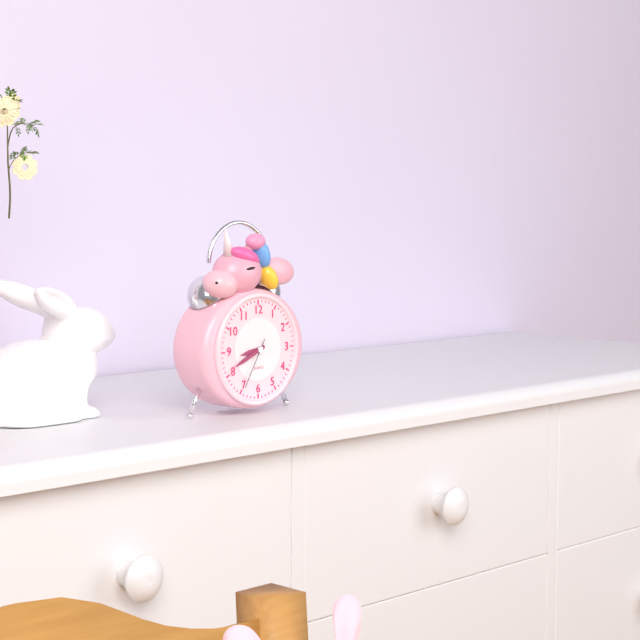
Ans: {"hour": 8, "minute": 41, "second": 35}
